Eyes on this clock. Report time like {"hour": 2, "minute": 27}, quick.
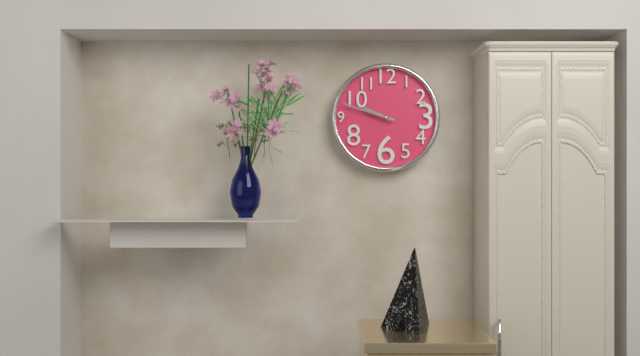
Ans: {"hour": 9, "minute": 48}
